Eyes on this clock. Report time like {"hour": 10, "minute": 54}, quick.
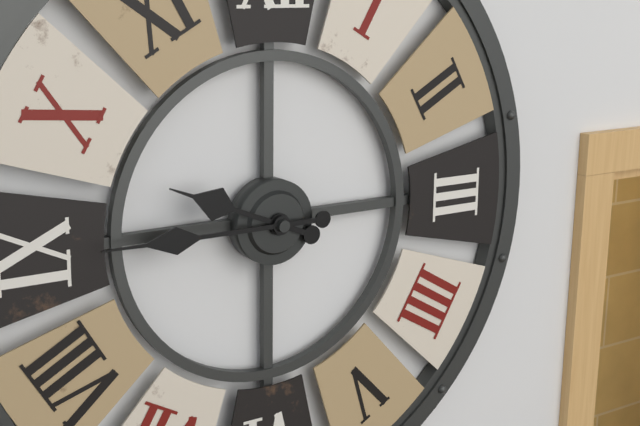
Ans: {"hour": 9, "minute": 45}
